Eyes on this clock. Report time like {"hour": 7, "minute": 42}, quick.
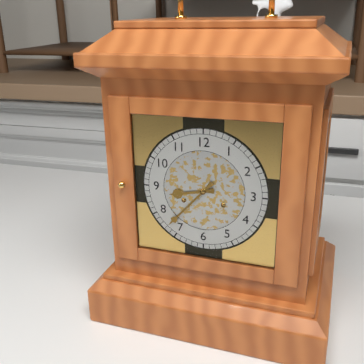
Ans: {"hour": 8, "minute": 37}
